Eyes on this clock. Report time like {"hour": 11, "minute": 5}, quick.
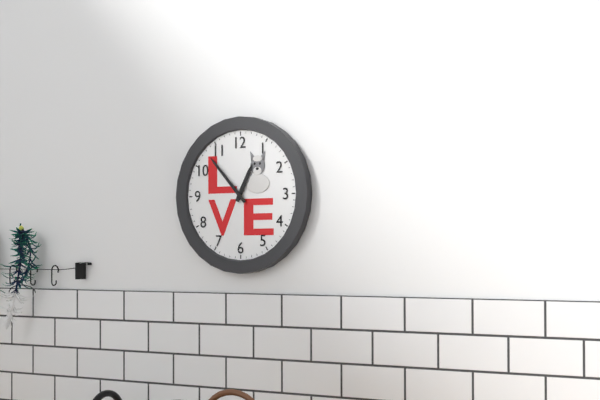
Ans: {"hour": 12, "minute": 53}
